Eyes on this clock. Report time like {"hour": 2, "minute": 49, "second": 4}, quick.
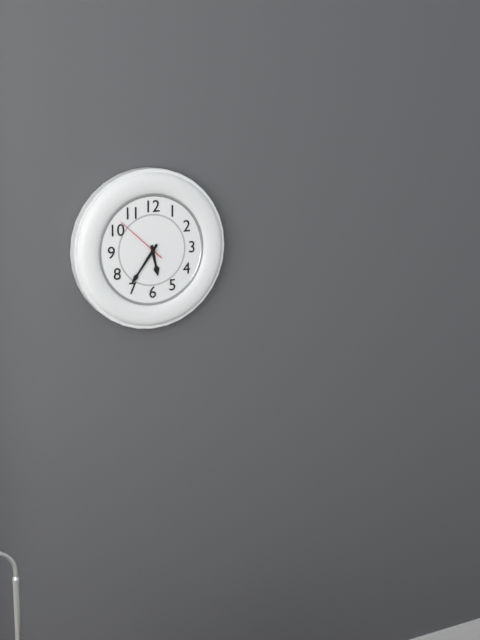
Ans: {"hour": 5, "minute": 36, "second": 52}
